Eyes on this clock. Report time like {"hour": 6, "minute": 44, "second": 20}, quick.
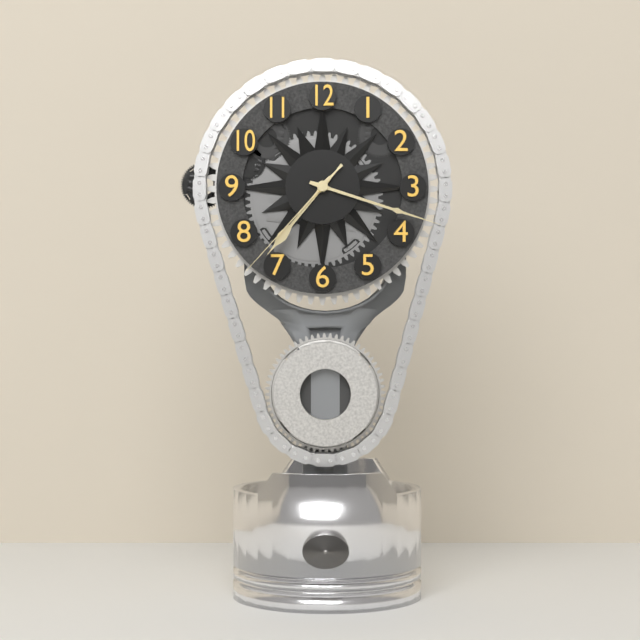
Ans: {"hour": 7, "minute": 18, "second": 37}
